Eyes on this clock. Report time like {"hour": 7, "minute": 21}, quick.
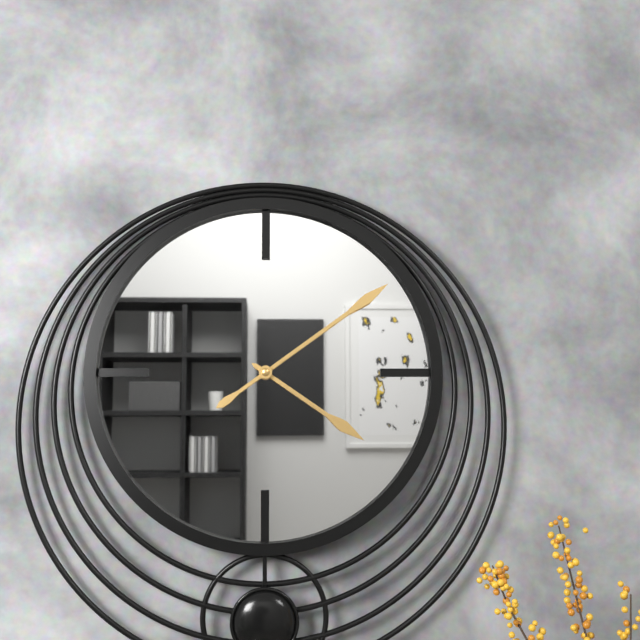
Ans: {"hour": 4, "minute": 9}
